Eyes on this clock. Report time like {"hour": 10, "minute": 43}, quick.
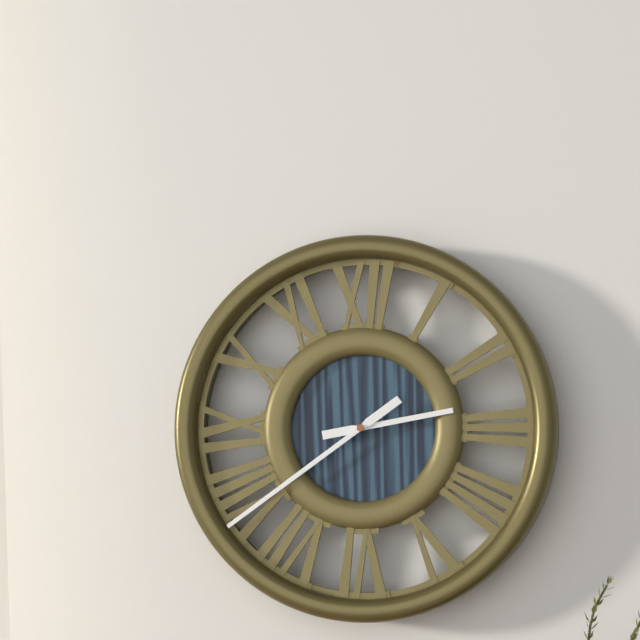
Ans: {"hour": 2, "minute": 39}
